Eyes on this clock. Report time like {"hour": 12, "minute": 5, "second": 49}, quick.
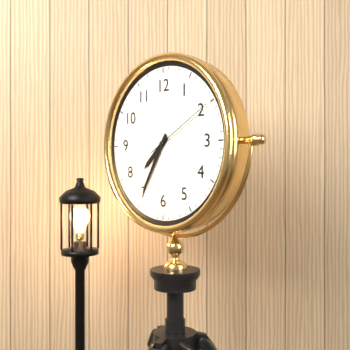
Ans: {"hour": 7, "minute": 35, "second": 10}
